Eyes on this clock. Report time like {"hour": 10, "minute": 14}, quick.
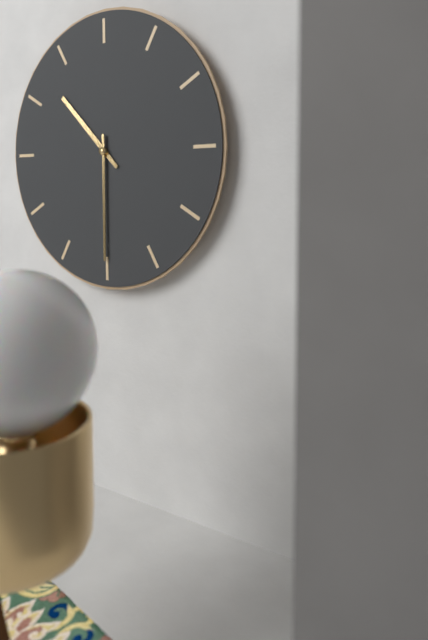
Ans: {"hour": 10, "minute": 30}
